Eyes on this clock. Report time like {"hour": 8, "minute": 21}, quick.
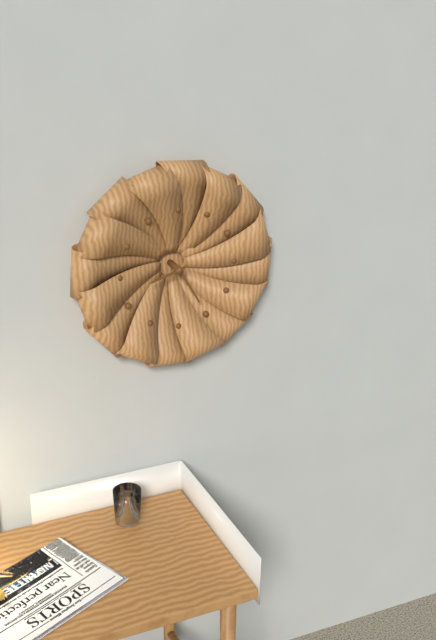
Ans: {"hour": 8, "minute": 25}
